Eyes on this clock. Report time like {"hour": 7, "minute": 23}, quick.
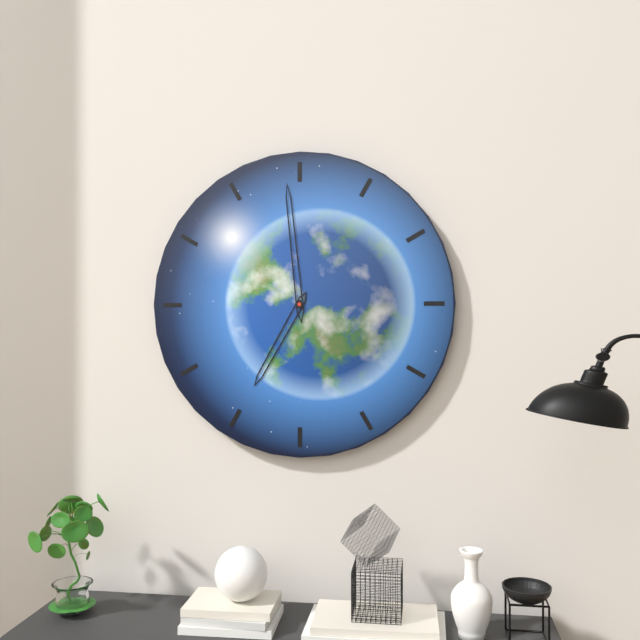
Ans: {"hour": 6, "minute": 59}
